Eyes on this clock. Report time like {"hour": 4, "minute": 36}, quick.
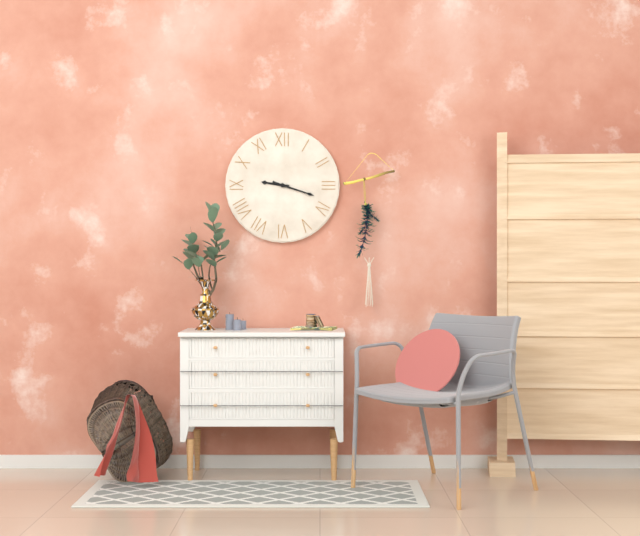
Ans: {"hour": 9, "minute": 18}
